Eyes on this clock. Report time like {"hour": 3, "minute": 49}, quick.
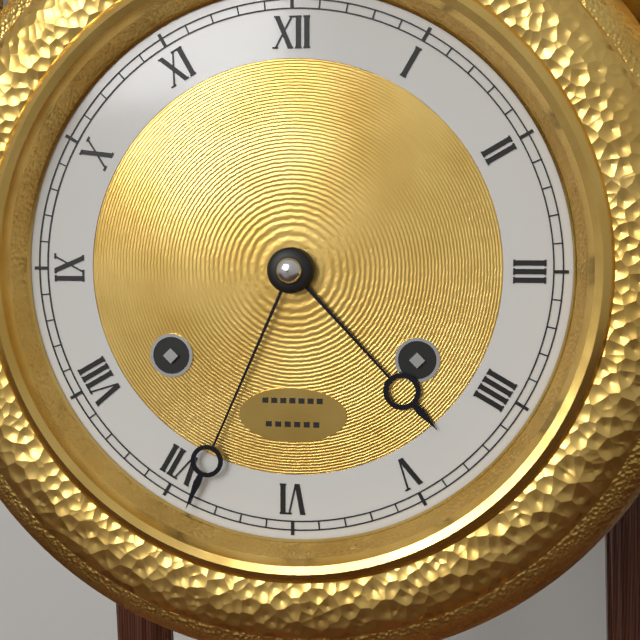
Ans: {"hour": 4, "minute": 34}
